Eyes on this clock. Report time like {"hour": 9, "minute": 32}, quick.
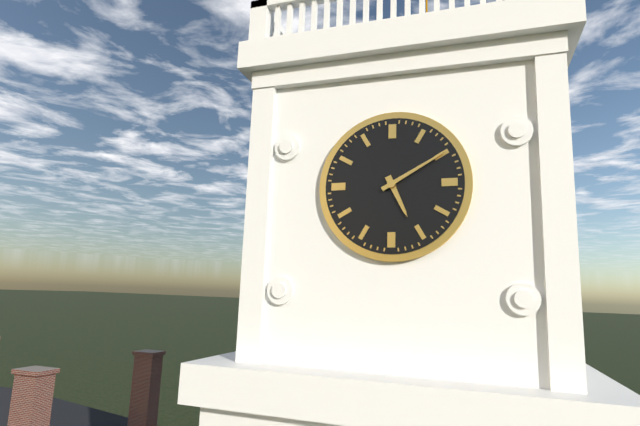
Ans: {"hour": 5, "minute": 10}
